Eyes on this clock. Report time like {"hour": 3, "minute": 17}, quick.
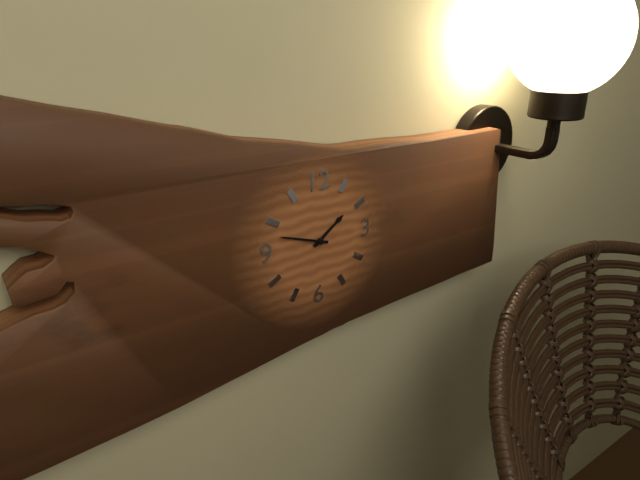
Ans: {"hour": 1, "minute": 48}
